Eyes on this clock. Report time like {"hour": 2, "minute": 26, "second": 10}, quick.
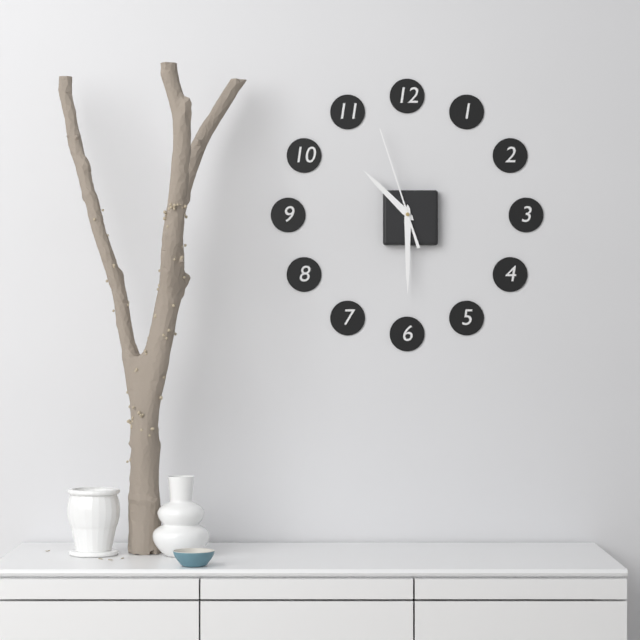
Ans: {"hour": 10, "minute": 30, "second": 57}
